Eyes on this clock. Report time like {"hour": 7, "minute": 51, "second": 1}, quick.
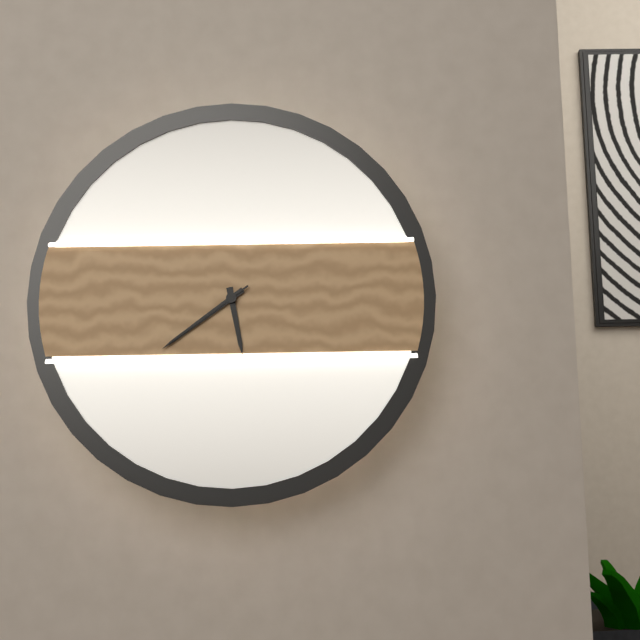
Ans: {"hour": 5, "minute": 39, "second": 39}
